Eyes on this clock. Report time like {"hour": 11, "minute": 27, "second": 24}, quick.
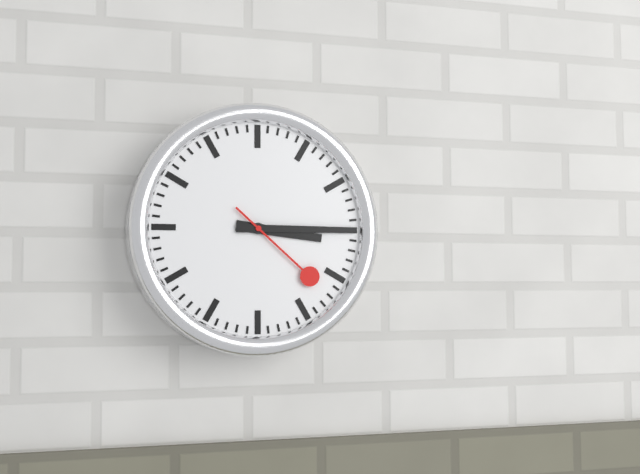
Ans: {"hour": 3, "minute": 15, "second": 22}
